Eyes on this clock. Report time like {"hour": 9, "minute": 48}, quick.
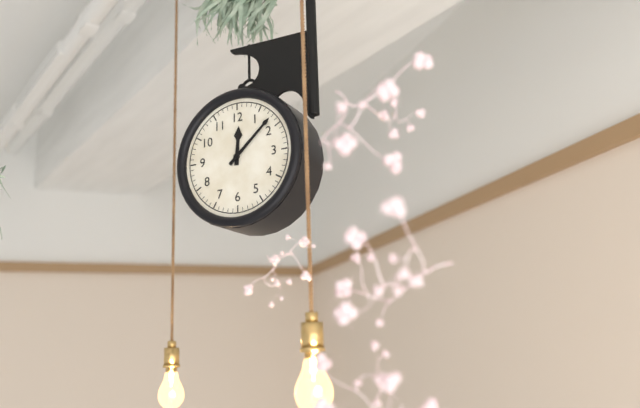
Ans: {"hour": 12, "minute": 8}
